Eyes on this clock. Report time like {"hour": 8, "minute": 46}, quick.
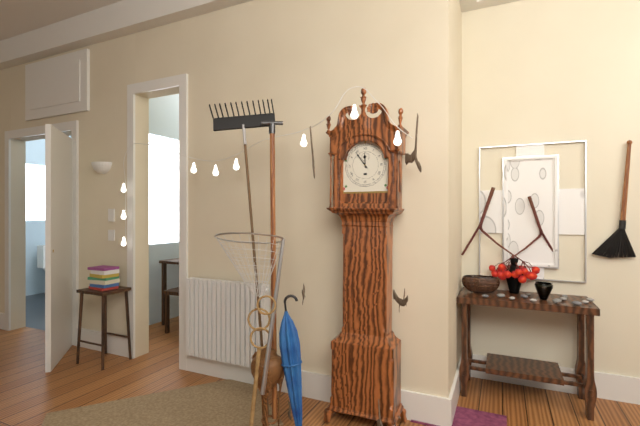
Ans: {"hour": 11, "minute": 54}
